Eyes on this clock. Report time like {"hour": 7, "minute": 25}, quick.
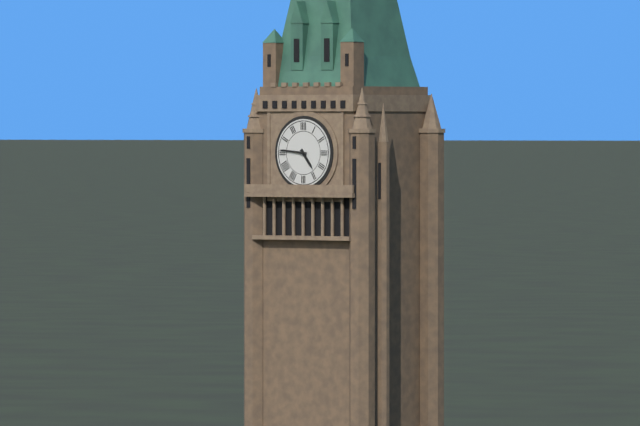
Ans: {"hour": 4, "minute": 46}
